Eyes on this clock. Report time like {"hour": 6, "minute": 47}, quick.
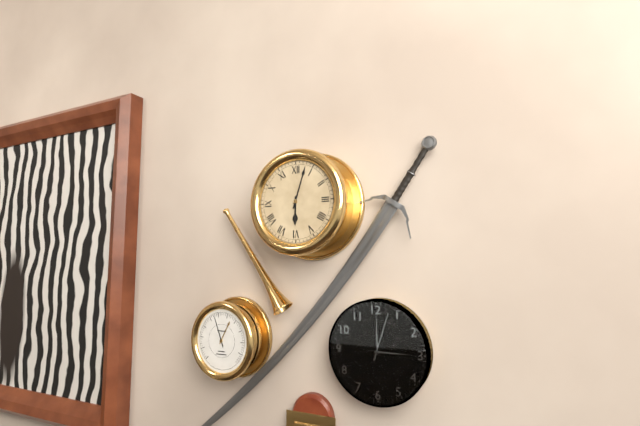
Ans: {"hour": 6, "minute": 3}
